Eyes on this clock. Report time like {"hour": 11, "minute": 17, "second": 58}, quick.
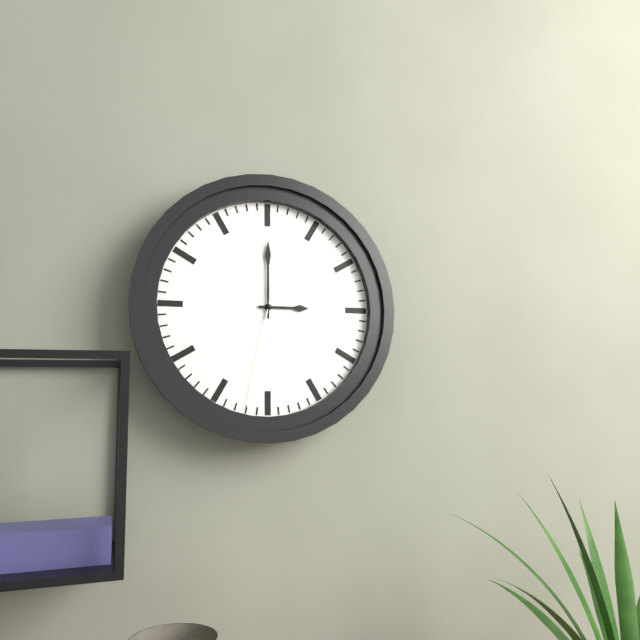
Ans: {"hour": 3, "minute": 0, "second": 32}
